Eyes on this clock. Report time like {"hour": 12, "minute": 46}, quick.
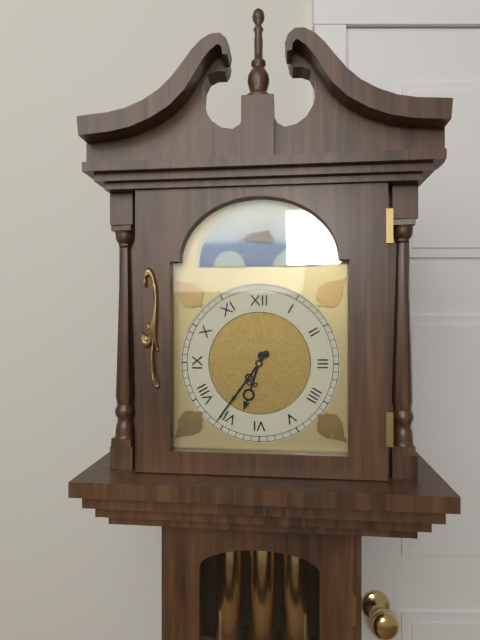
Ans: {"hour": 6, "minute": 36}
